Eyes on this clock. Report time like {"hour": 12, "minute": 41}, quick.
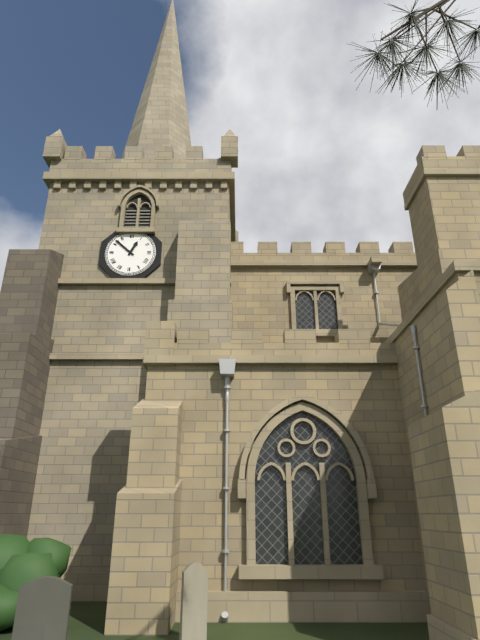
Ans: {"hour": 12, "minute": 52}
